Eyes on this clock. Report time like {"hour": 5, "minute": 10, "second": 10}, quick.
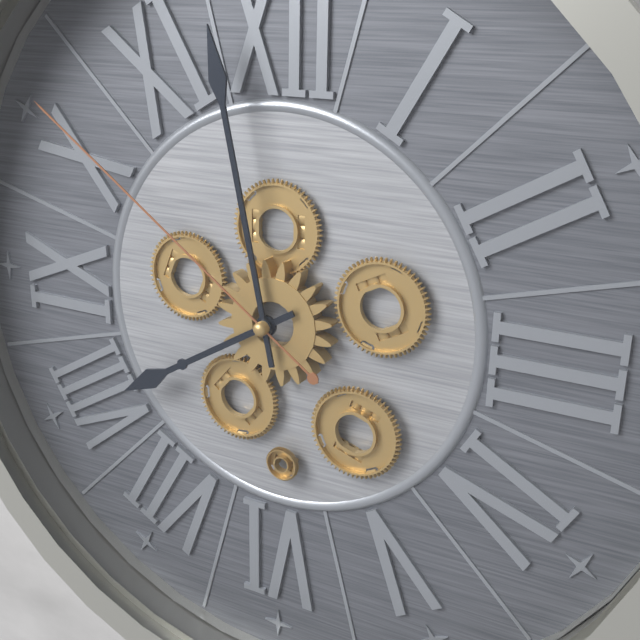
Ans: {"hour": 7, "minute": 58, "second": 51}
